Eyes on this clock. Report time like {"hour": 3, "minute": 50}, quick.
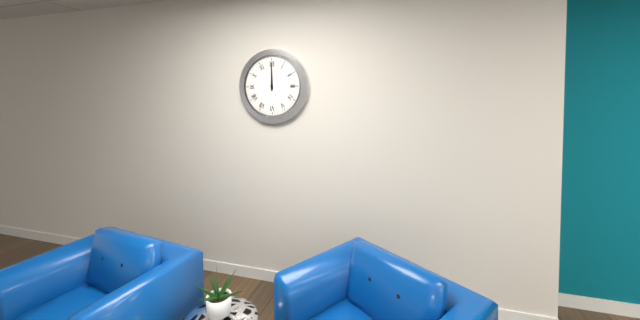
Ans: {"hour": 12, "minute": 0}
